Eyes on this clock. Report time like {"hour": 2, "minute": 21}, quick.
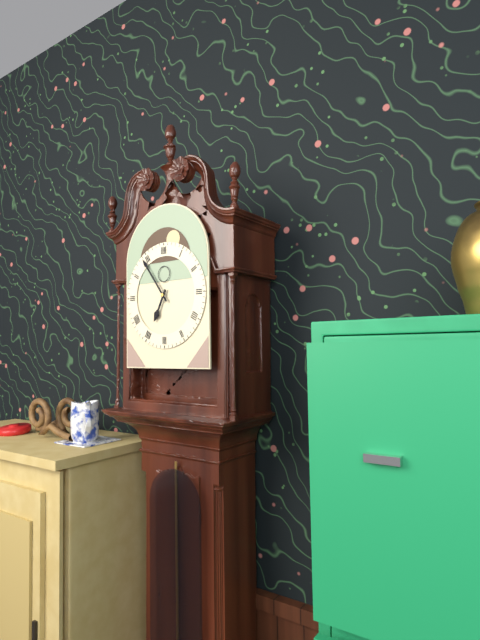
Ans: {"hour": 6, "minute": 54}
